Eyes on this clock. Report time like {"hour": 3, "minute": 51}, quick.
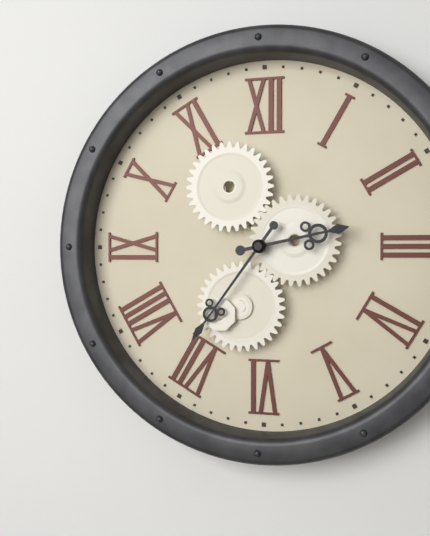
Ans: {"hour": 2, "minute": 36}
